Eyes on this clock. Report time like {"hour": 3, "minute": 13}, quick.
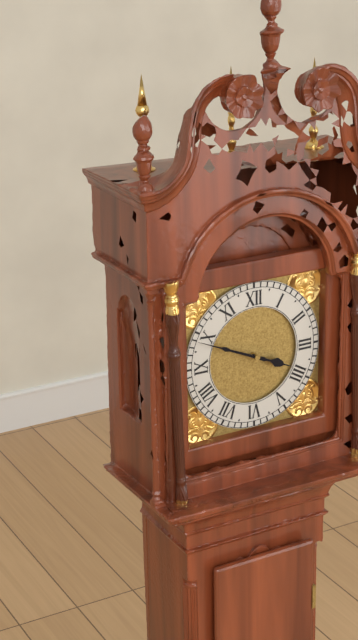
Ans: {"hour": 3, "minute": 49}
